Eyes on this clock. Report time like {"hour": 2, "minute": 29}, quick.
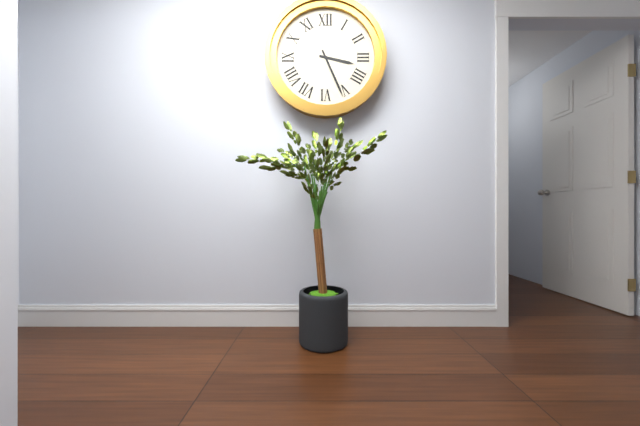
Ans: {"hour": 3, "minute": 26}
